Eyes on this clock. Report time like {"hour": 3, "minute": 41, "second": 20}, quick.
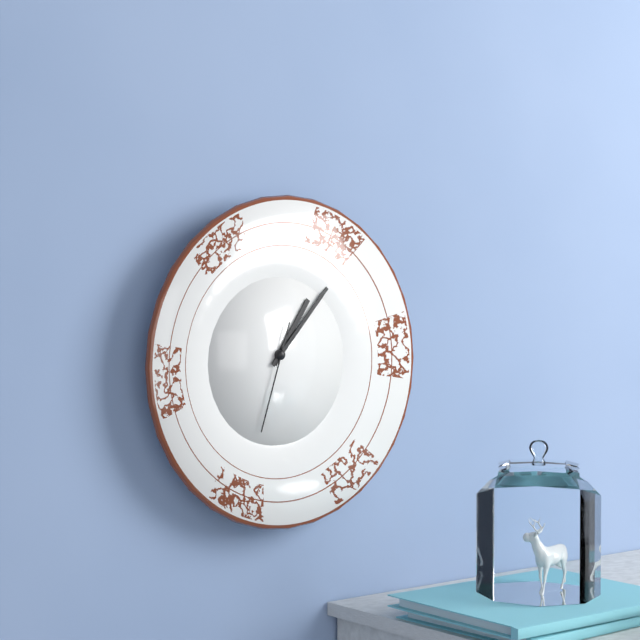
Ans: {"hour": 1, "minute": 7, "second": 33}
